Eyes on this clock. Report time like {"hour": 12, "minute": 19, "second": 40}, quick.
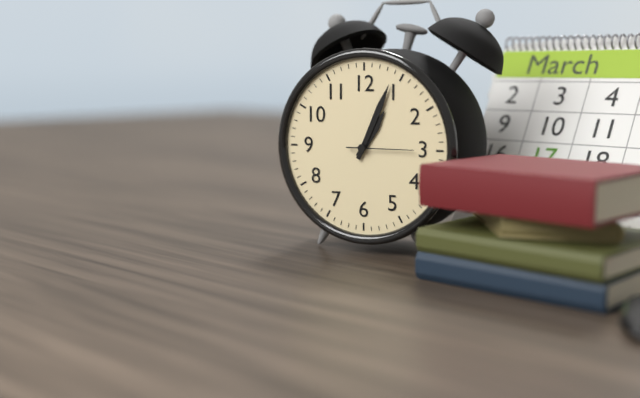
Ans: {"hour": 1, "minute": 4, "second": 15}
